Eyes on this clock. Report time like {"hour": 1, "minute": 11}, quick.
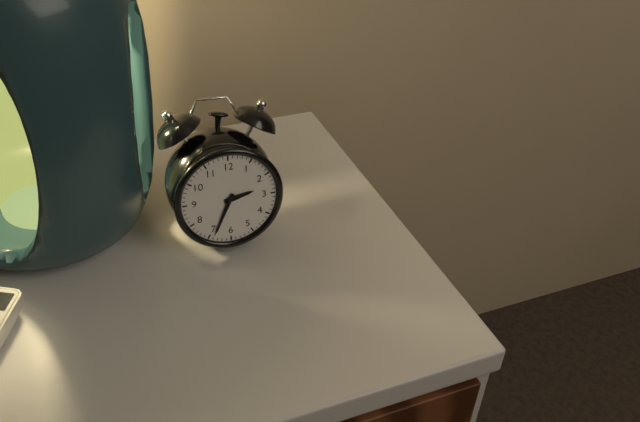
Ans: {"hour": 2, "minute": 34}
